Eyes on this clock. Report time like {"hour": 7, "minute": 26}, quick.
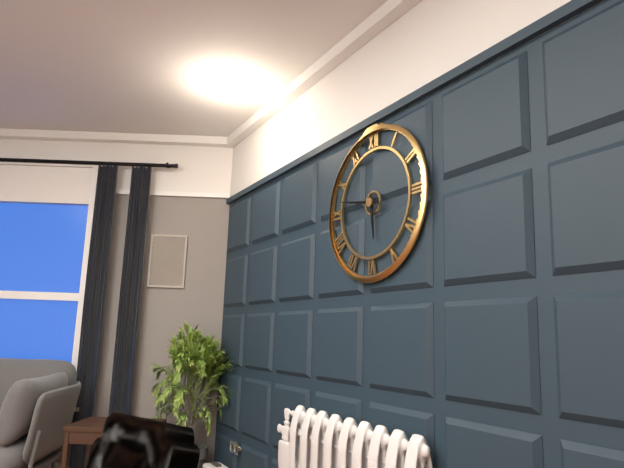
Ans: {"hour": 5, "minute": 47}
